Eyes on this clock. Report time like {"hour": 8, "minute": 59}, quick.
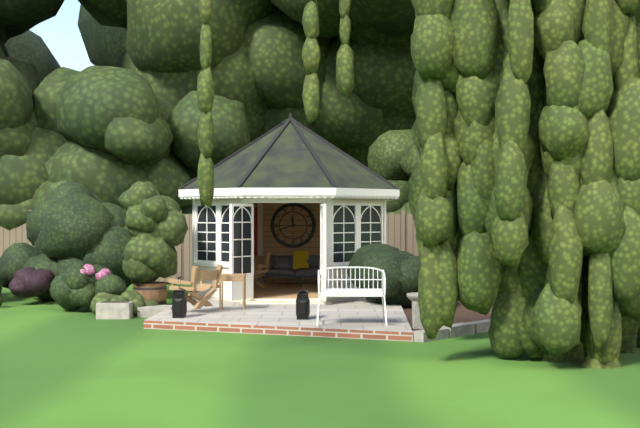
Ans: {"hour": 11, "minute": 42}
